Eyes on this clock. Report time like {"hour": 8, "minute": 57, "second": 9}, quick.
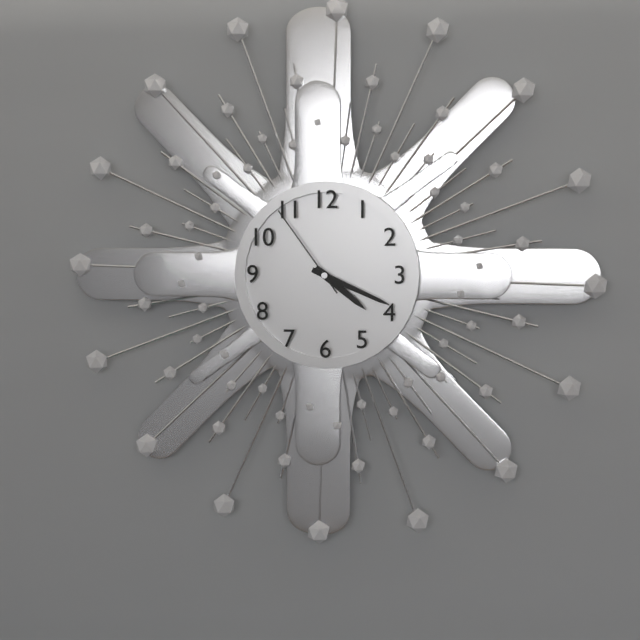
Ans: {"hour": 4, "minute": 19, "second": 54}
